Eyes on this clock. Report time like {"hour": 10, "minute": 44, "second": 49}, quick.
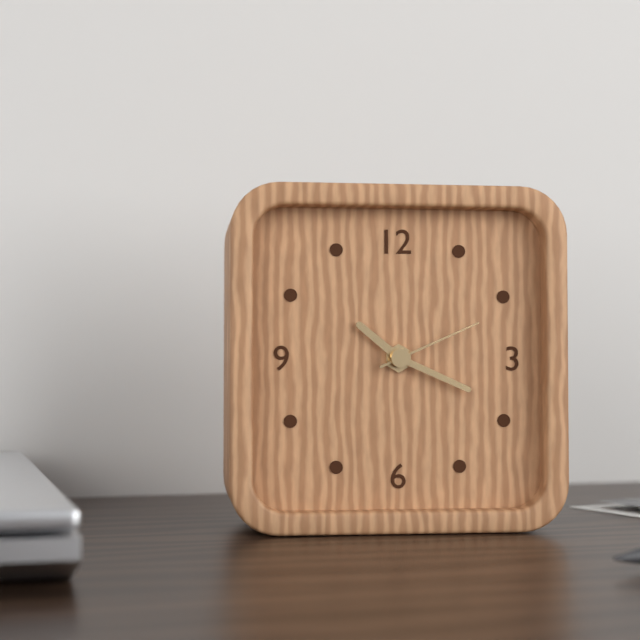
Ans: {"hour": 10, "minute": 19, "second": 11}
